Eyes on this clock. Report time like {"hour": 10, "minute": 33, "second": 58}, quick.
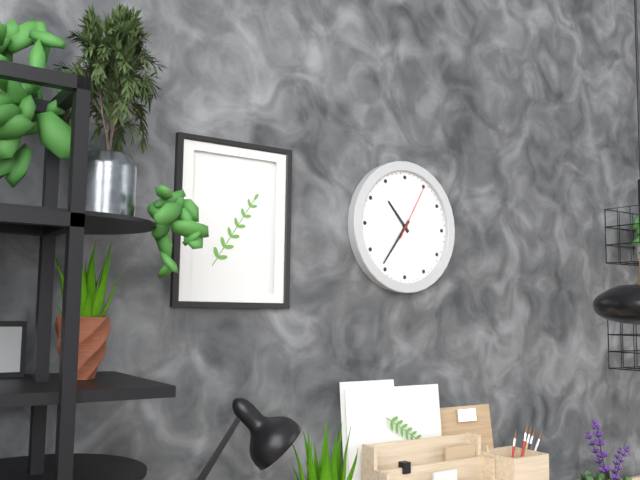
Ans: {"hour": 10, "minute": 36, "second": 5}
